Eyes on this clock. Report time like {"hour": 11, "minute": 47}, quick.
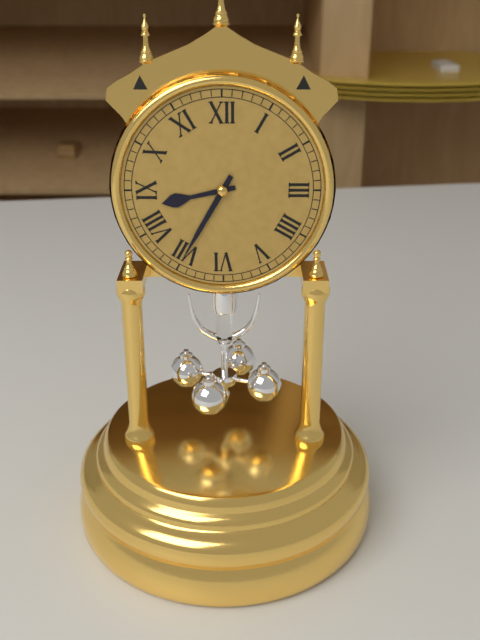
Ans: {"hour": 8, "minute": 35}
